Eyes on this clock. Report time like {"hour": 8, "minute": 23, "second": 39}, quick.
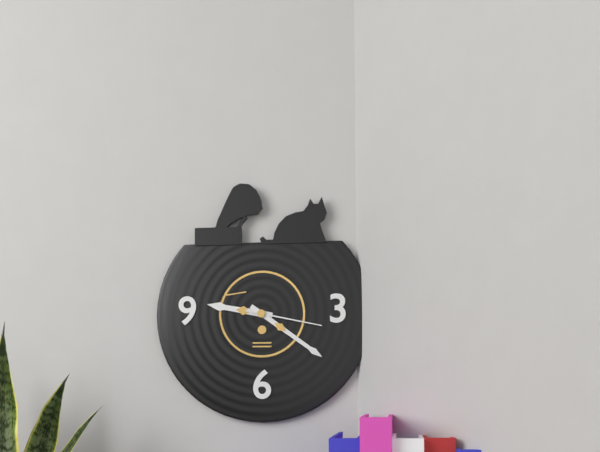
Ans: {"hour": 9, "minute": 21, "second": 17}
